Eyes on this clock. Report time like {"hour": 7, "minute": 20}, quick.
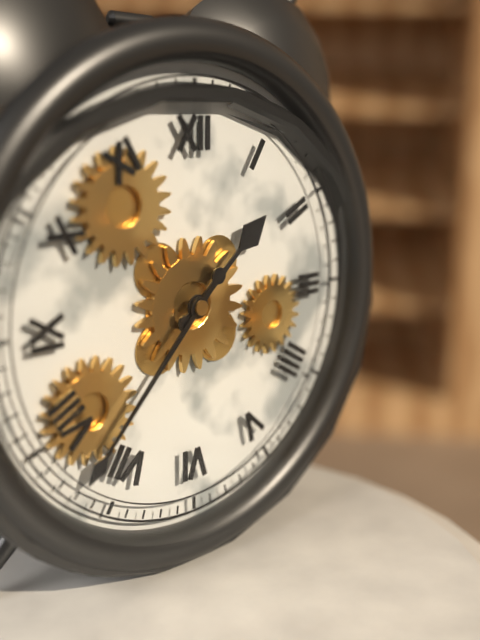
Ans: {"hour": 1, "minute": 37}
